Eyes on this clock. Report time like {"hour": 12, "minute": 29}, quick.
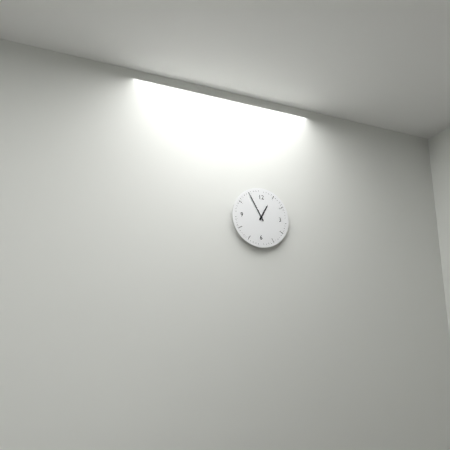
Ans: {"hour": 12, "minute": 55}
